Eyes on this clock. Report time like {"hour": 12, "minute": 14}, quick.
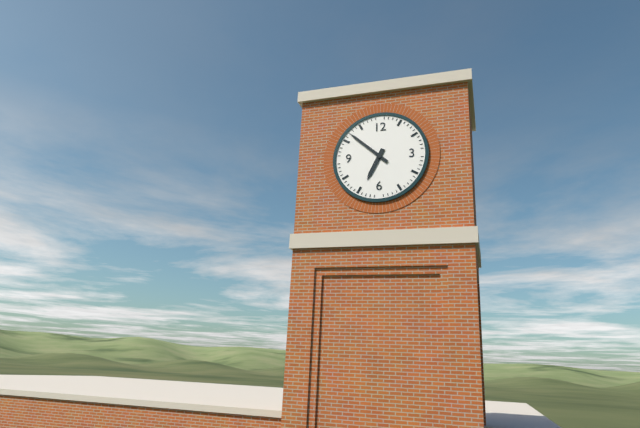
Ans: {"hour": 6, "minute": 52}
